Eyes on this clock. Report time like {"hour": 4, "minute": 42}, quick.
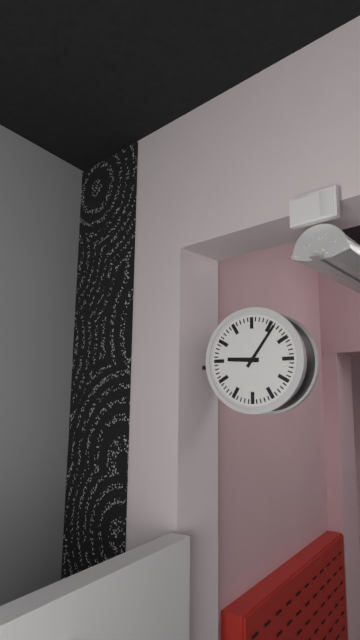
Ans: {"hour": 9, "minute": 6}
